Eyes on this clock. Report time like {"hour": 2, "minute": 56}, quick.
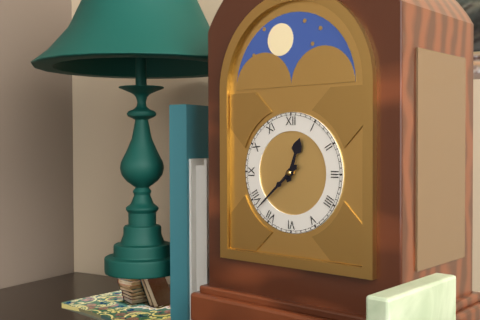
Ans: {"hour": 12, "minute": 38}
